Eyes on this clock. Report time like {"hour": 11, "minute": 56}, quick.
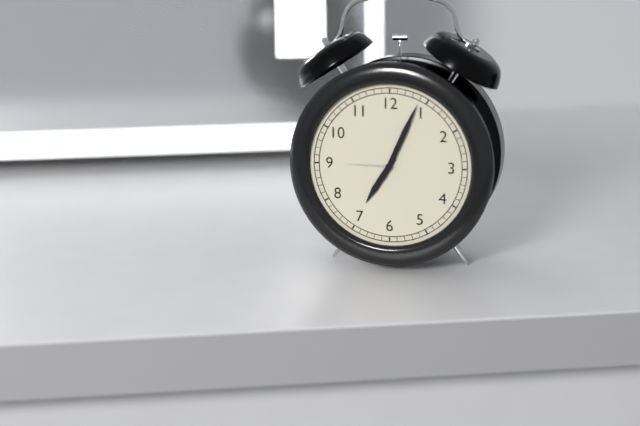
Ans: {"hour": 7, "minute": 4}
